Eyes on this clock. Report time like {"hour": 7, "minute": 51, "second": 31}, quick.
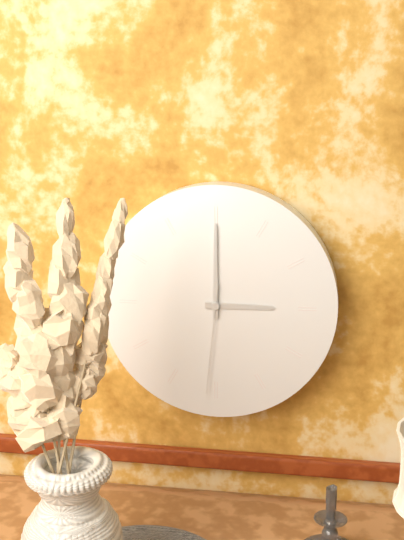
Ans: {"hour": 3, "minute": 0, "second": 31}
